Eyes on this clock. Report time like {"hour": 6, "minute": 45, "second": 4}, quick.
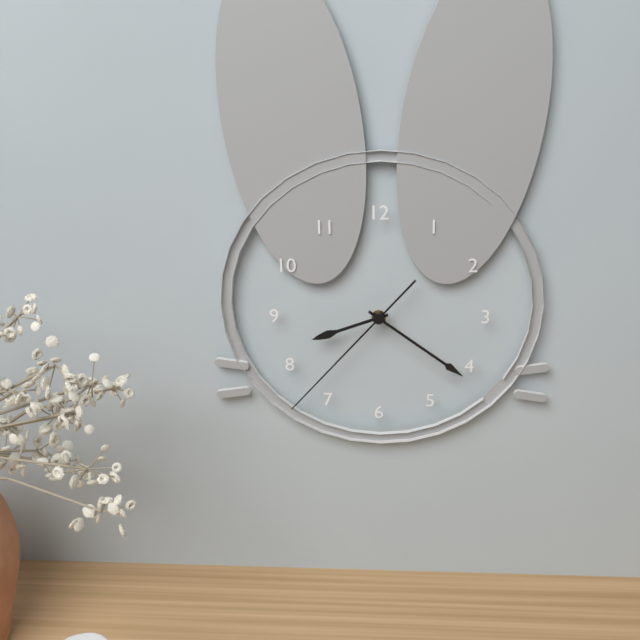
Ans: {"hour": 8, "minute": 21, "second": 37}
